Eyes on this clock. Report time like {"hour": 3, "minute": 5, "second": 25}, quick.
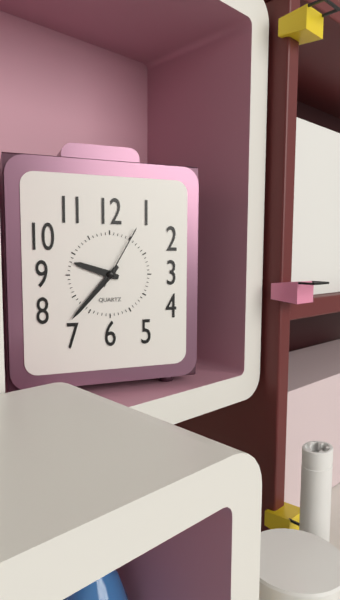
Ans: {"hour": 9, "minute": 37, "second": 5}
